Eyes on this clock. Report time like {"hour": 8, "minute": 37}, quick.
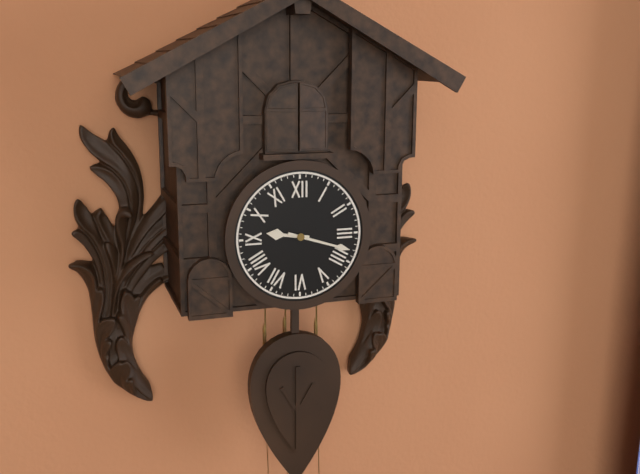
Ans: {"hour": 9, "minute": 18}
